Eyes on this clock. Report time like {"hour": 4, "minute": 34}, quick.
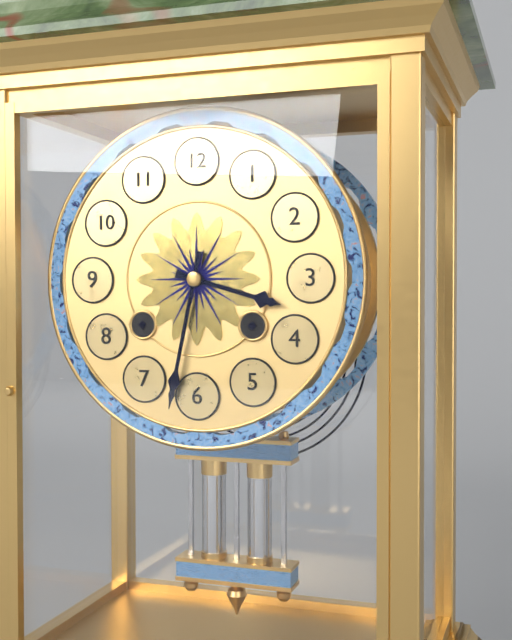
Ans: {"hour": 3, "minute": 32}
